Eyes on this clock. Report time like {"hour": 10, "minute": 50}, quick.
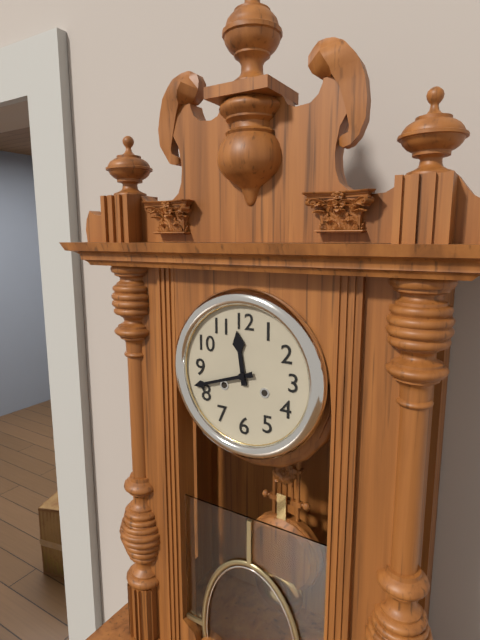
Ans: {"hour": 11, "minute": 42}
